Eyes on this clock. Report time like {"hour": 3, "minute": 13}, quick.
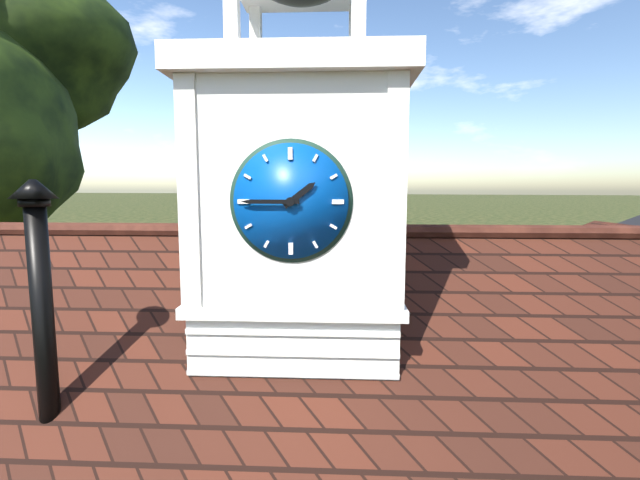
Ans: {"hour": 1, "minute": 45}
